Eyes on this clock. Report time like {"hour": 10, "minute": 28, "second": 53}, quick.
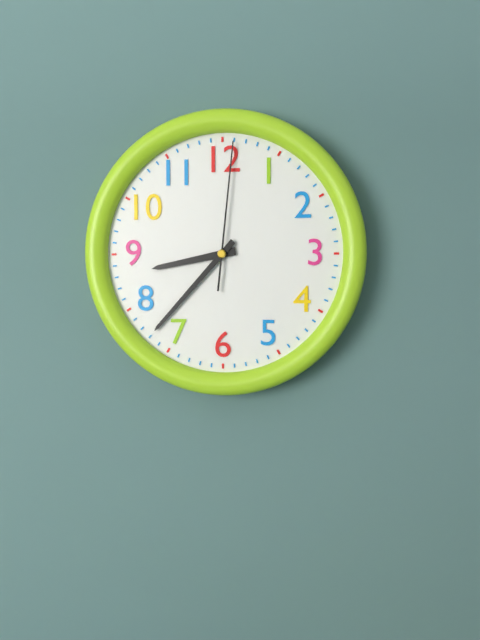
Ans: {"hour": 8, "minute": 37, "second": 1}
